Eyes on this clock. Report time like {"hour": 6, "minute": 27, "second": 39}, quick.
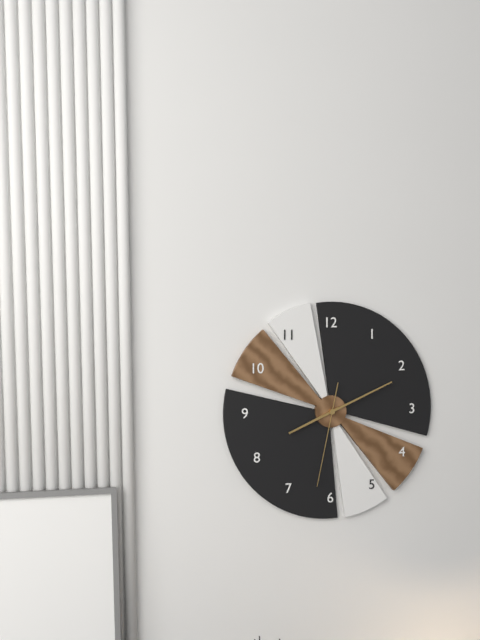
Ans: {"hour": 8, "minute": 11, "second": 32}
